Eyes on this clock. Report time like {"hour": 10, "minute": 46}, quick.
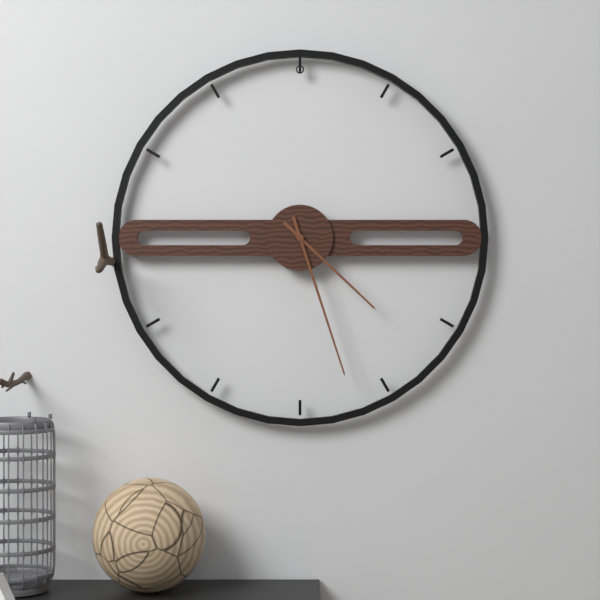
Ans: {"hour": 4, "minute": 27}
